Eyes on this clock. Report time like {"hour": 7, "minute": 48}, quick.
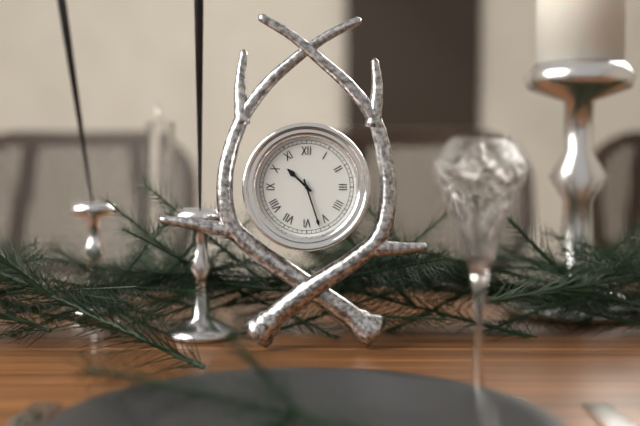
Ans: {"hour": 10, "minute": 27}
